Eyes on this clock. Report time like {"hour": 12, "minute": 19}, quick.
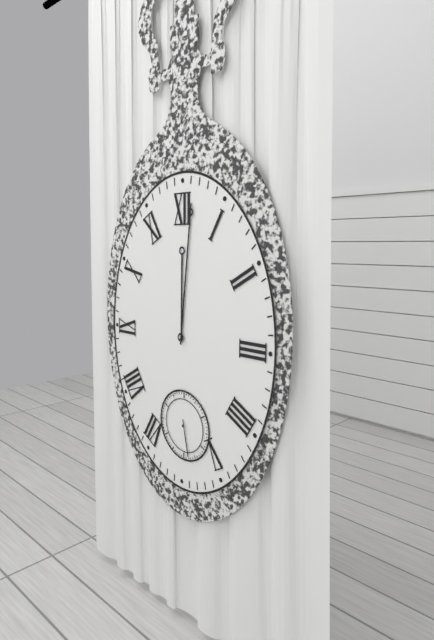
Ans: {"hour": 12, "minute": 1}
